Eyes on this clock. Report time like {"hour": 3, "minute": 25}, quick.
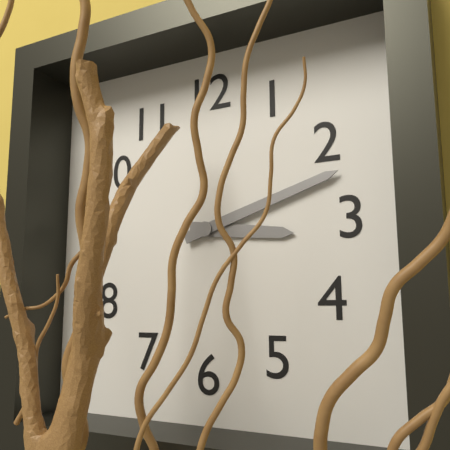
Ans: {"hour": 3, "minute": 12}
